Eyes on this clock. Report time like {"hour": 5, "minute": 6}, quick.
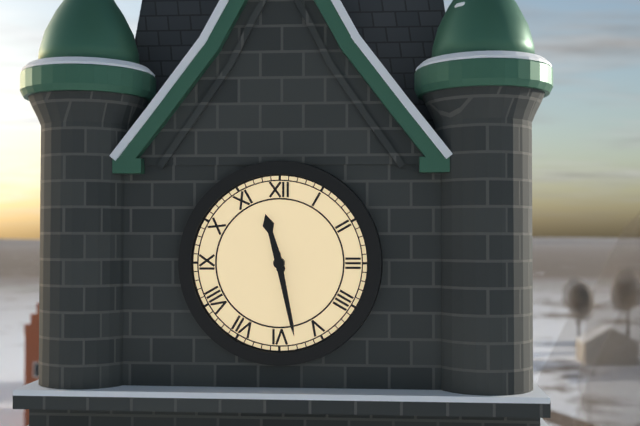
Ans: {"hour": 11, "minute": 28}
